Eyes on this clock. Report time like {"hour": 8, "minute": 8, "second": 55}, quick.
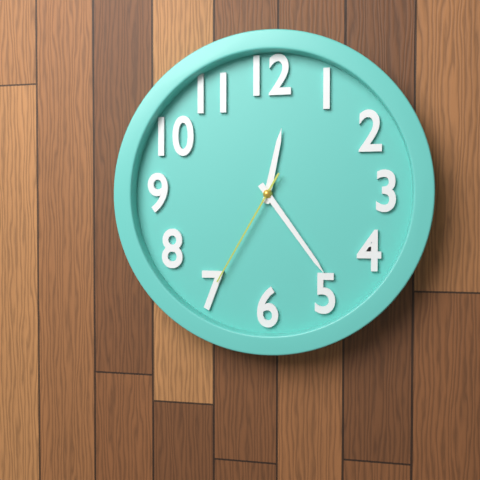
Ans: {"hour": 12, "minute": 24, "second": 35}
